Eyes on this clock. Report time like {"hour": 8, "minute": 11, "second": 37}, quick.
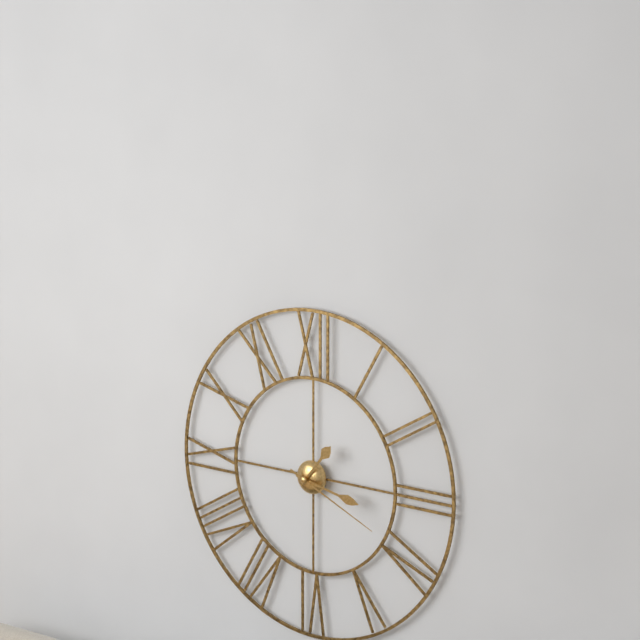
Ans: {"hour": 1, "minute": 17, "second": 19}
